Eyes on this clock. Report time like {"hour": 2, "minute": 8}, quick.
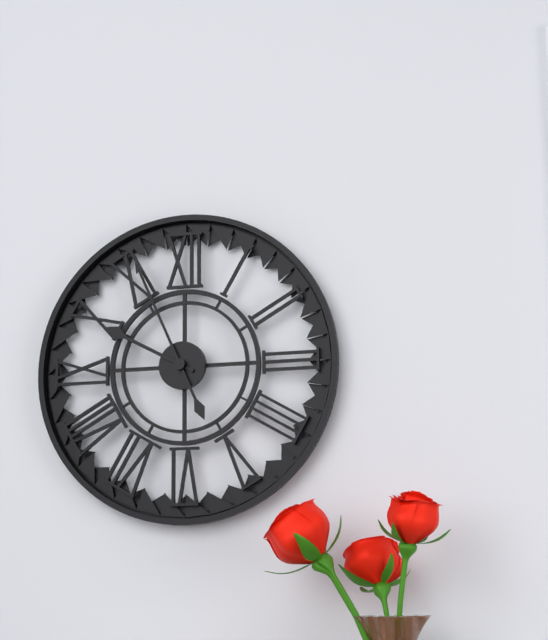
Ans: {"hour": 9, "minute": 56}
